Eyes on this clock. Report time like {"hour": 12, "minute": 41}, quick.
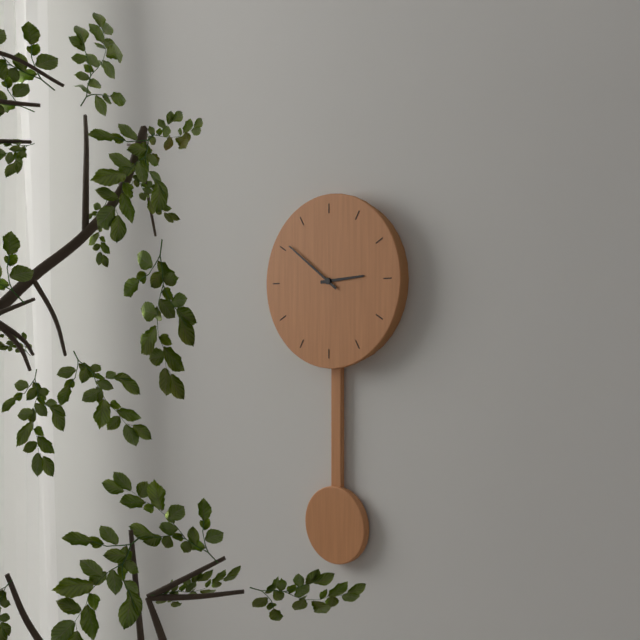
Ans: {"hour": 2, "minute": 51}
